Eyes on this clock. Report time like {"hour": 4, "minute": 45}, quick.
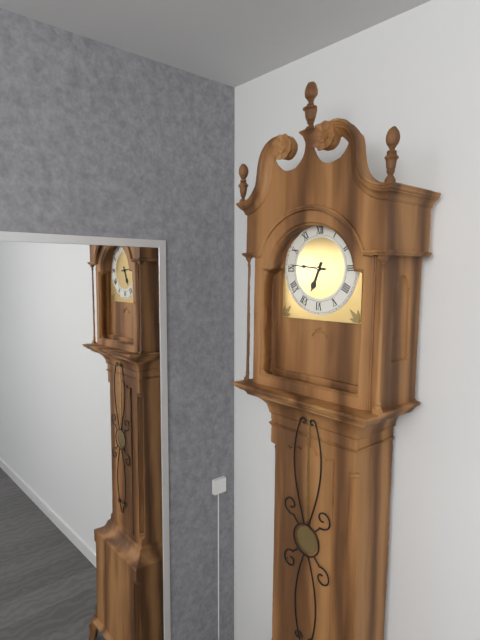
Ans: {"hour": 6, "minute": 46}
